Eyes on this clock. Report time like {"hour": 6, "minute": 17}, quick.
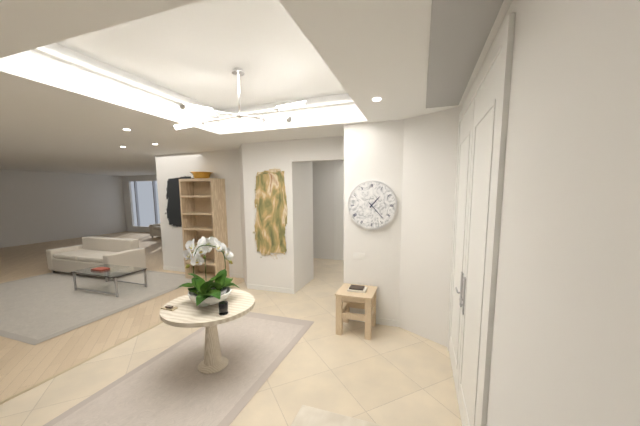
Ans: {"hour": 1, "minute": 23}
